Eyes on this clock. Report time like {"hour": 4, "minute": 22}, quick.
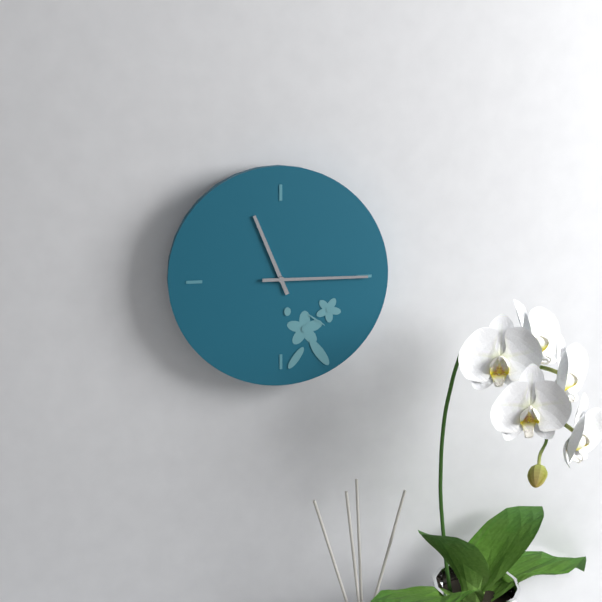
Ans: {"hour": 11, "minute": 15}
